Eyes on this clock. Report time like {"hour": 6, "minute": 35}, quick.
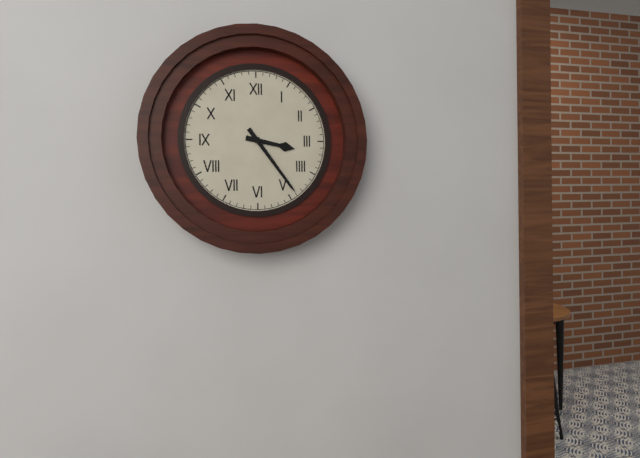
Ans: {"hour": 3, "minute": 24}
